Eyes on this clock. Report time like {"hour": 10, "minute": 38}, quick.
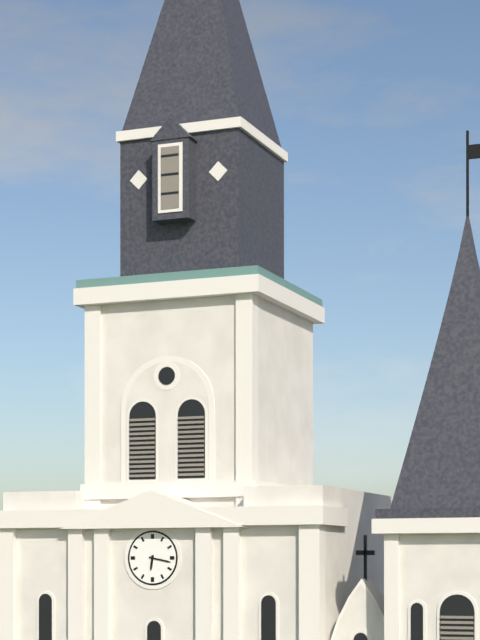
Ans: {"hour": 6, "minute": 17}
